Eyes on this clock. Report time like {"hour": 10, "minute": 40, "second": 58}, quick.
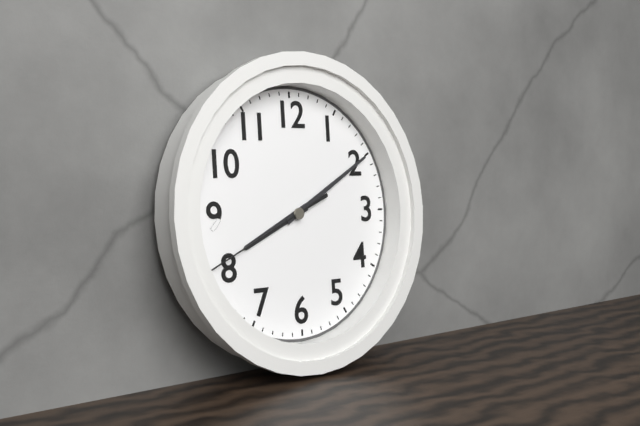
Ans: {"hour": 8, "minute": 10, "second": 41}
